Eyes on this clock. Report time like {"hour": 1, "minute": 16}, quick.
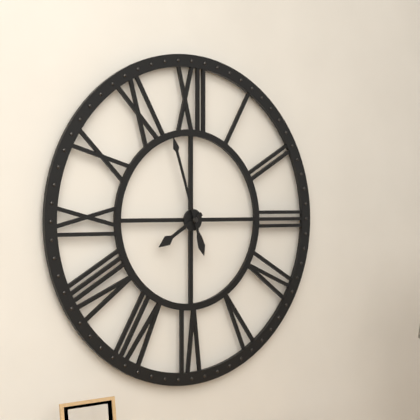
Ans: {"hour": 7, "minute": 57}
